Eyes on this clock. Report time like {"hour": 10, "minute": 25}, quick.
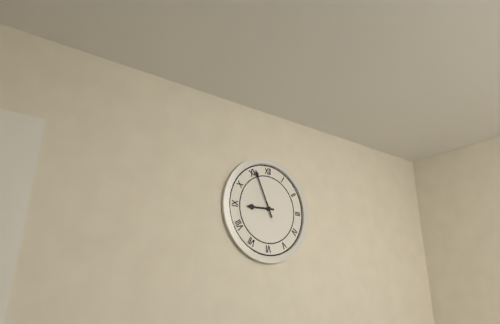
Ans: {"hour": 8, "minute": 56}
